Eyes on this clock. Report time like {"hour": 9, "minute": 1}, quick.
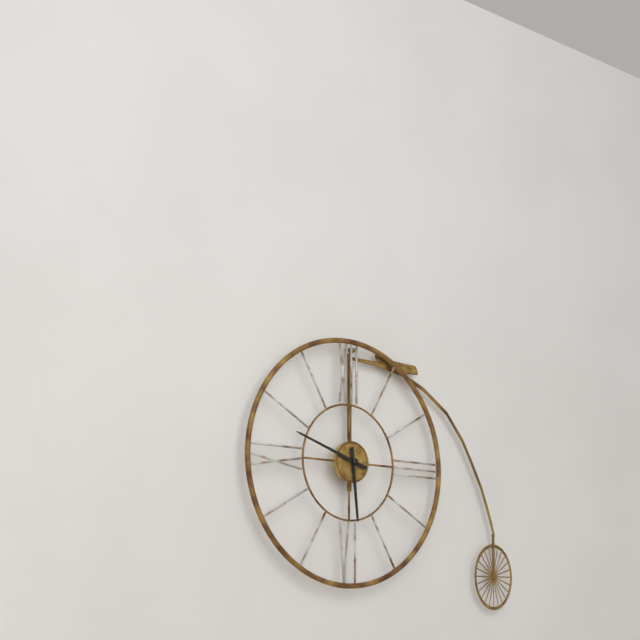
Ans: {"hour": 5, "minute": 48}
